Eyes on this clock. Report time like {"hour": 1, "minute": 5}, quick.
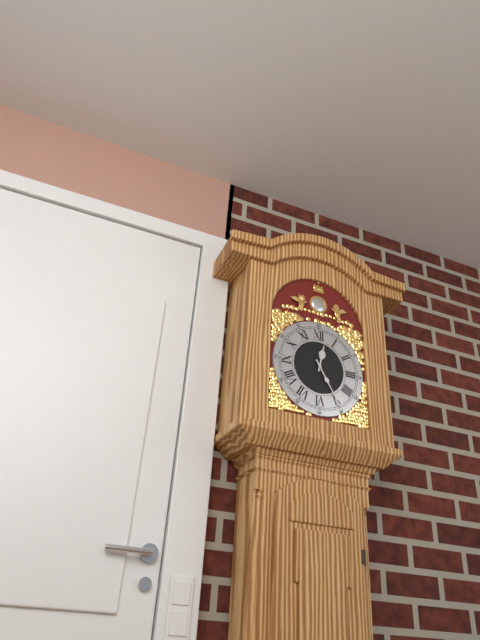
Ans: {"hour": 12, "minute": 25}
